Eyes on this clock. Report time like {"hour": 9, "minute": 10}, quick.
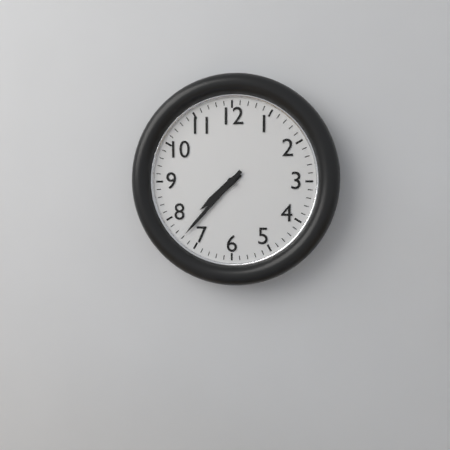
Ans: {"hour": 7, "minute": 37}
